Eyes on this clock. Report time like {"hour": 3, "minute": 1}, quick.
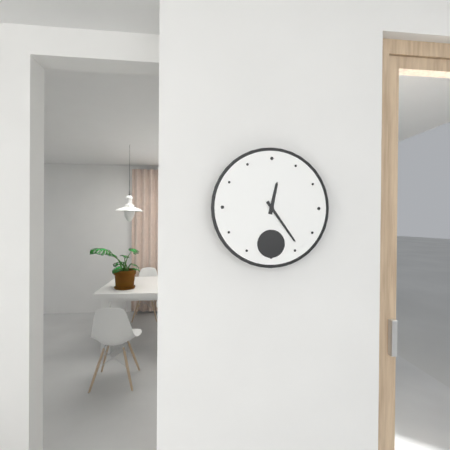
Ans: {"hour": 12, "minute": 24}
